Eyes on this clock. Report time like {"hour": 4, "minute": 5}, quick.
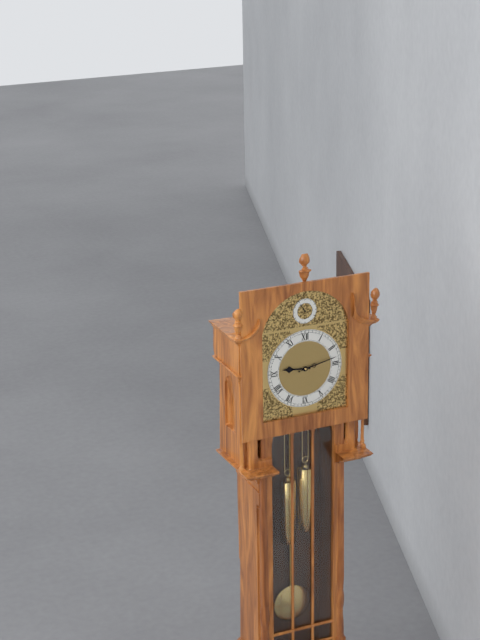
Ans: {"hour": 9, "minute": 13}
